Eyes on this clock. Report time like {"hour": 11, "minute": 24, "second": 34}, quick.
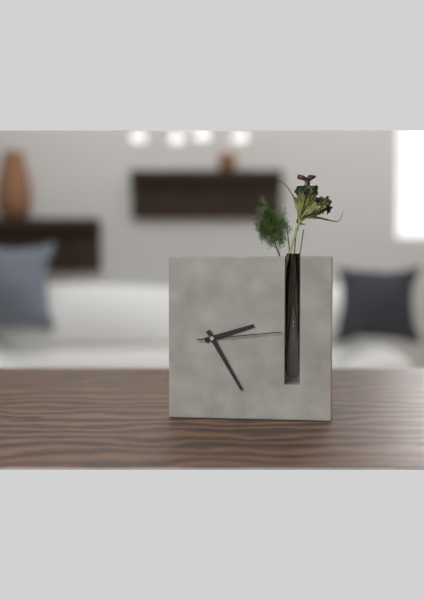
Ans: {"hour": 2, "minute": 25, "second": 14}
